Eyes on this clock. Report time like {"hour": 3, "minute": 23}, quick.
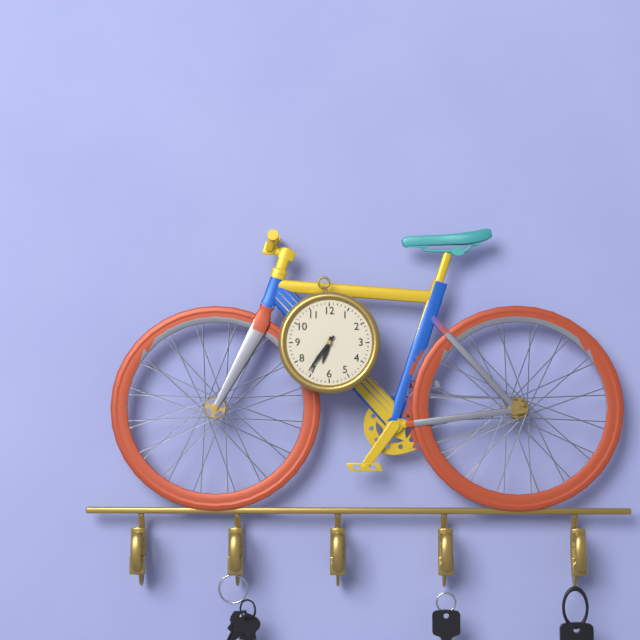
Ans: {"hour": 6, "minute": 36}
